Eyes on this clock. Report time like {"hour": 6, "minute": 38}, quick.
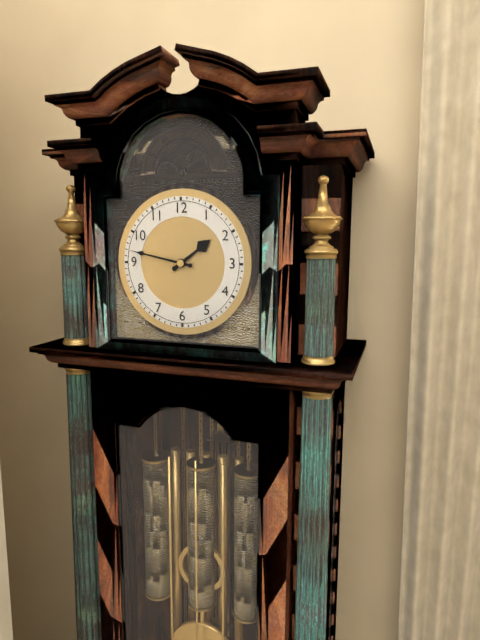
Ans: {"hour": 1, "minute": 47}
